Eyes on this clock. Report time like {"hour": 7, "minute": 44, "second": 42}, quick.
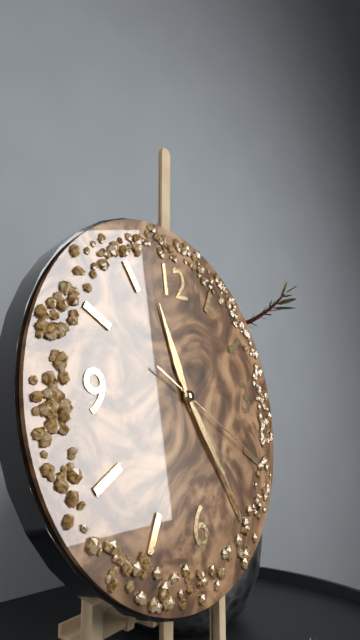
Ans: {"hour": 11, "minute": 25, "second": 20}
